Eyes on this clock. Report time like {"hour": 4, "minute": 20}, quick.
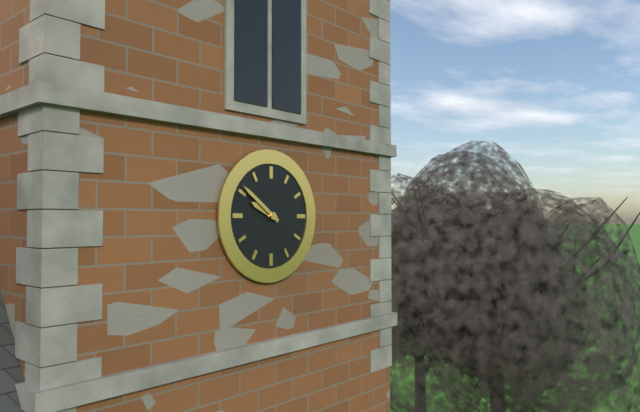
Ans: {"hour": 9, "minute": 51}
